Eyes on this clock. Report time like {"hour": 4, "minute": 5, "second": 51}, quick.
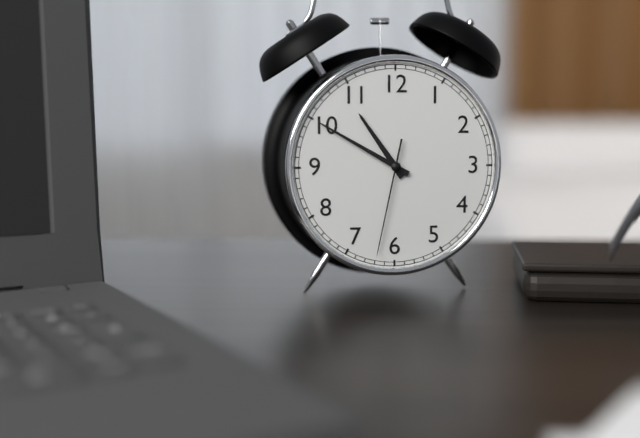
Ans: {"hour": 10, "minute": 50, "second": 32}
